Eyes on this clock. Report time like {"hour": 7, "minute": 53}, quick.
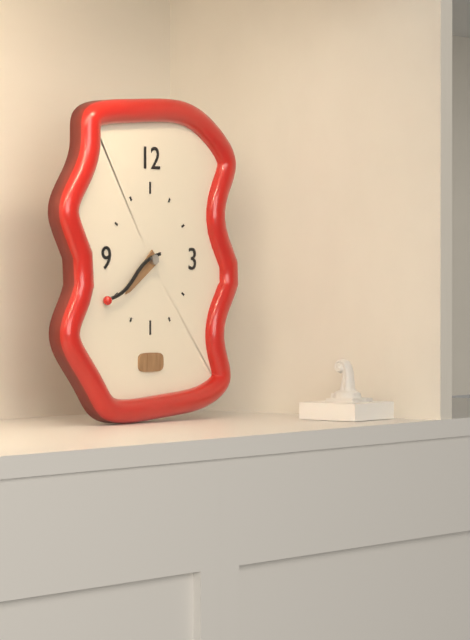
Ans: {"hour": 7, "minute": 40}
